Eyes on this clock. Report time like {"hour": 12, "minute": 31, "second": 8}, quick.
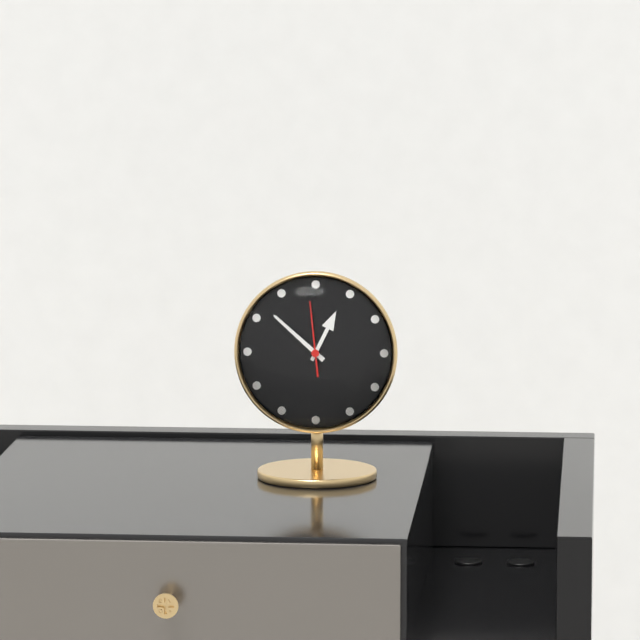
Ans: {"hour": 12, "minute": 52, "second": 59}
